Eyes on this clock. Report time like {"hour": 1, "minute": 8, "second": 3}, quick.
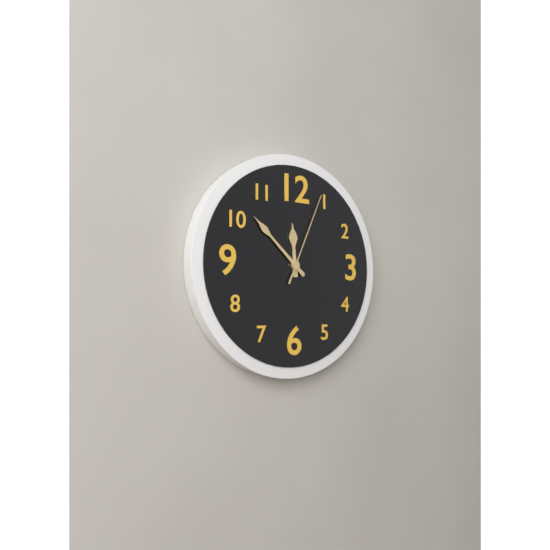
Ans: {"hour": 11, "minute": 52, "second": 4}
